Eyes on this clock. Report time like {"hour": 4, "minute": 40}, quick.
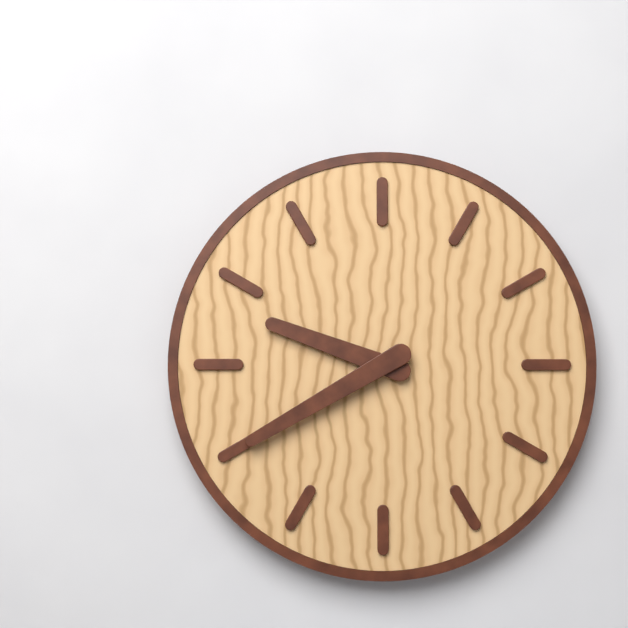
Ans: {"hour": 9, "minute": 40}
